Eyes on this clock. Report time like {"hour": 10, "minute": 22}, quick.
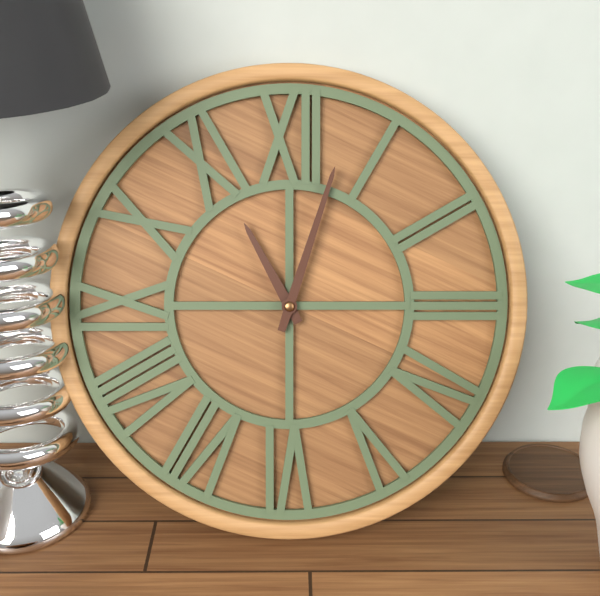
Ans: {"hour": 11, "minute": 3}
